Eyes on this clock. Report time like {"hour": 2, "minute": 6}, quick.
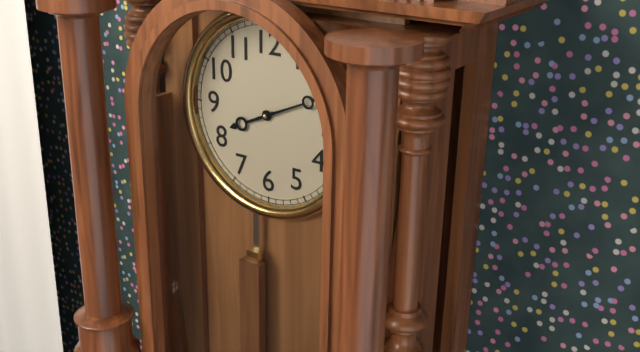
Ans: {"hour": 8, "minute": 11}
